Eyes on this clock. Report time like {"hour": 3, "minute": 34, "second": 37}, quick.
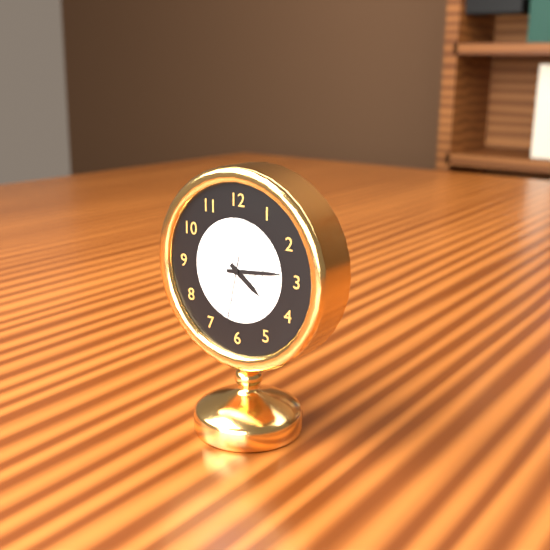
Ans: {"hour": 4, "minute": 14, "second": 32}
